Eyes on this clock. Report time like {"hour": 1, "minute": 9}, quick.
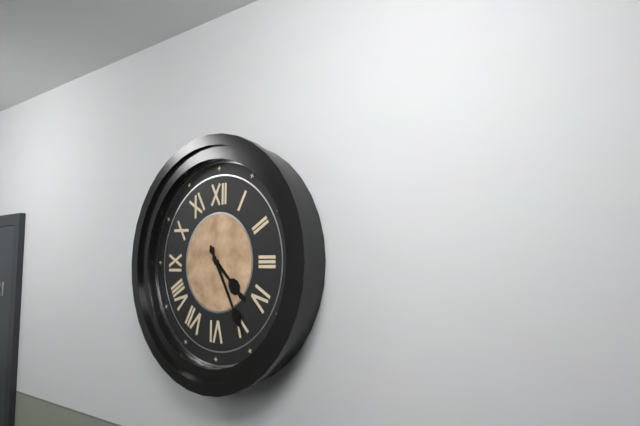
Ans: {"hour": 4, "minute": 25}
